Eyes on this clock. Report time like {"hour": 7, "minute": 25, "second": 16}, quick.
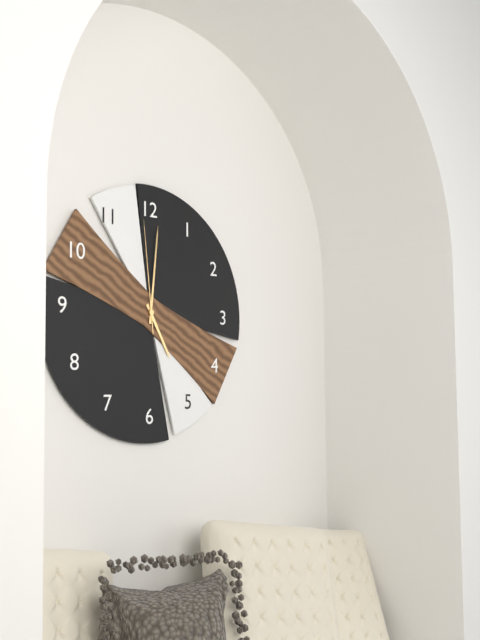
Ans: {"hour": 5, "minute": 1, "second": 59}
